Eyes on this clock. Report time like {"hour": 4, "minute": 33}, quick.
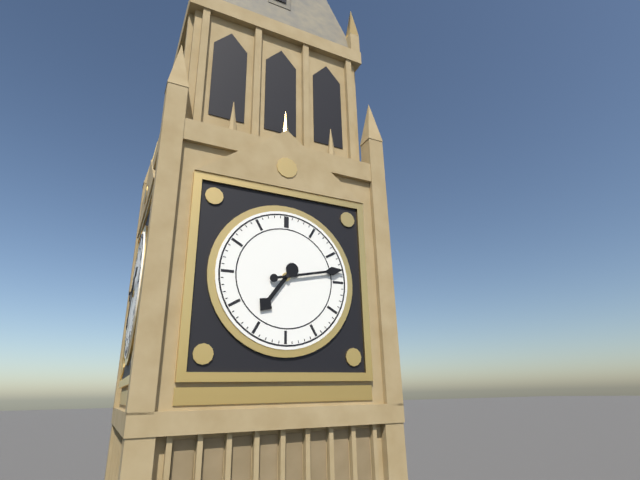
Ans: {"hour": 7, "minute": 13}
